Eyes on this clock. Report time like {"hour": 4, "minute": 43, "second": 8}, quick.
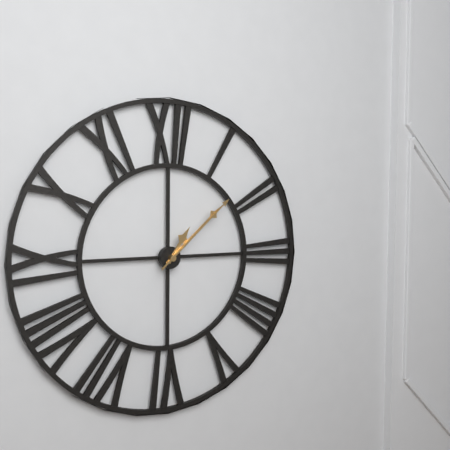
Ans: {"hour": 1, "minute": 8, "second": 8}
